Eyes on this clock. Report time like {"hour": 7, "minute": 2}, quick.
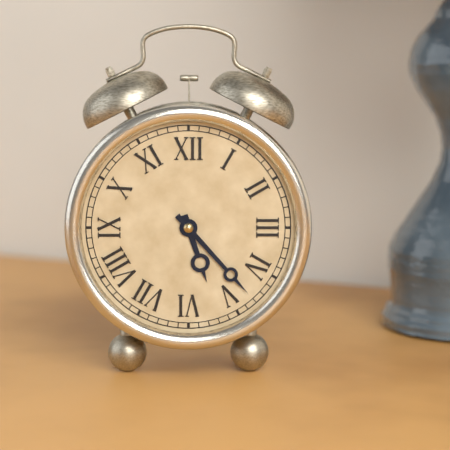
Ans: {"hour": 5, "minute": 23}
